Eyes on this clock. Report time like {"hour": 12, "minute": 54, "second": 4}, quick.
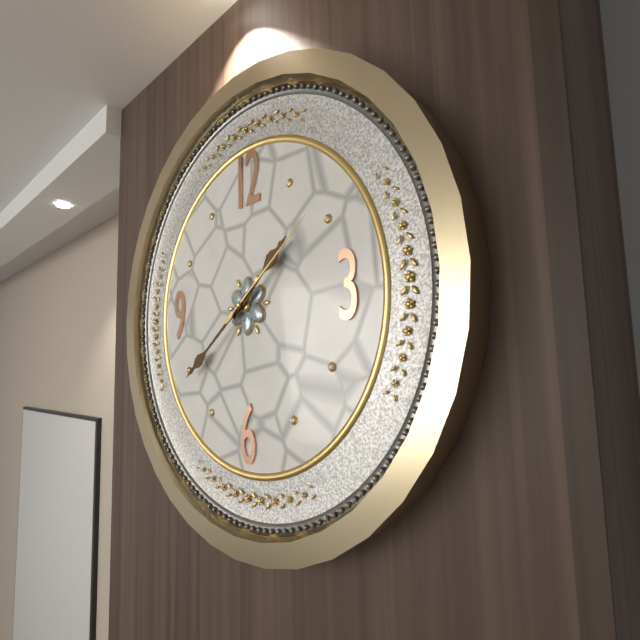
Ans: {"hour": 1, "minute": 39, "second": 9}
